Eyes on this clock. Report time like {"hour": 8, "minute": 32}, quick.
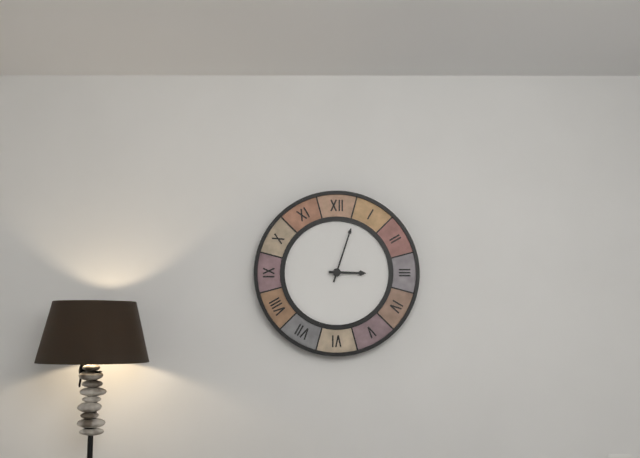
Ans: {"hour": 3, "minute": 3}
